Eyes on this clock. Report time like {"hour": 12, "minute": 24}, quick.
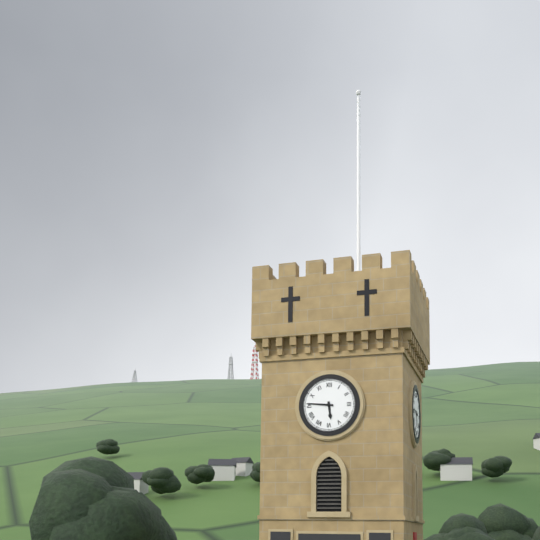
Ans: {"hour": 5, "minute": 46}
